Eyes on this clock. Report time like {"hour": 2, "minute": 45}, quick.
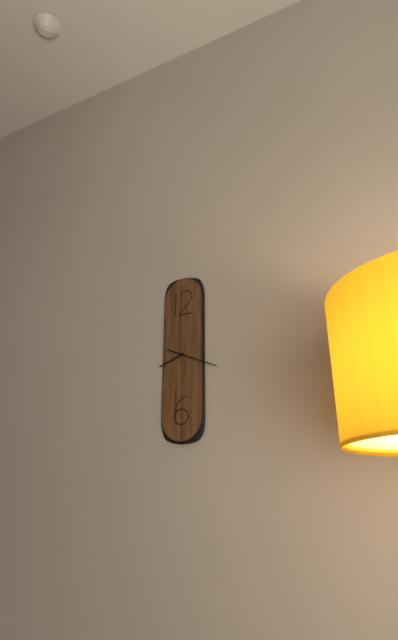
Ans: {"hour": 8, "minute": 19}
